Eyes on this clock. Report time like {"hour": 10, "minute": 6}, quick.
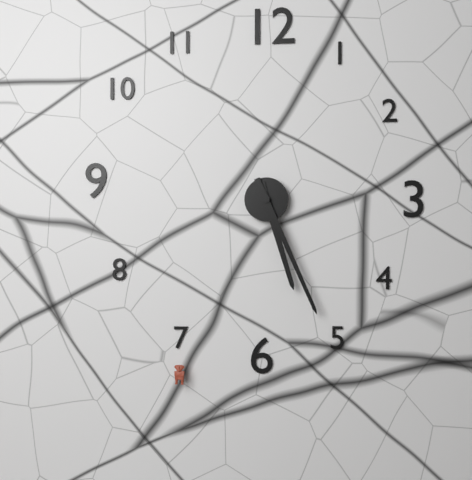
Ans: {"hour": 5, "minute": 26}
